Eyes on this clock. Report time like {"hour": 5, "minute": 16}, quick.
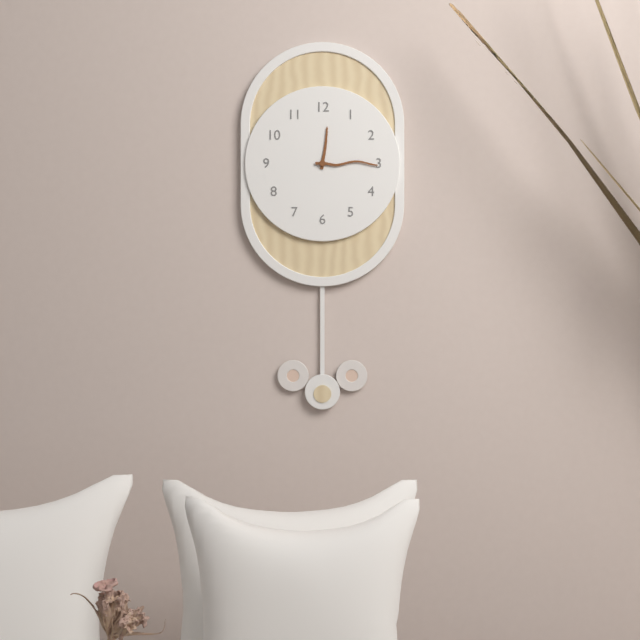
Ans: {"hour": 12, "minute": 15}
